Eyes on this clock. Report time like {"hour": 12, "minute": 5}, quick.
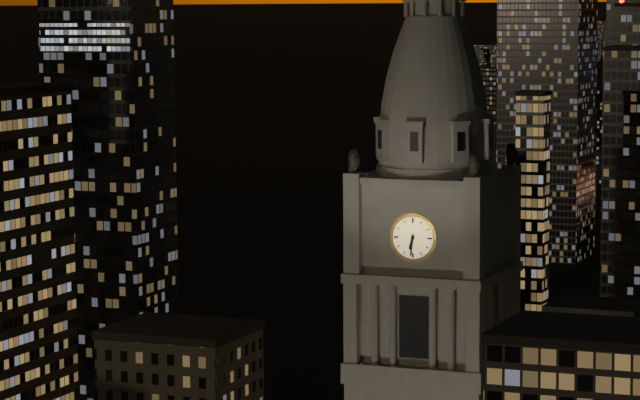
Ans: {"hour": 6, "minute": 31}
